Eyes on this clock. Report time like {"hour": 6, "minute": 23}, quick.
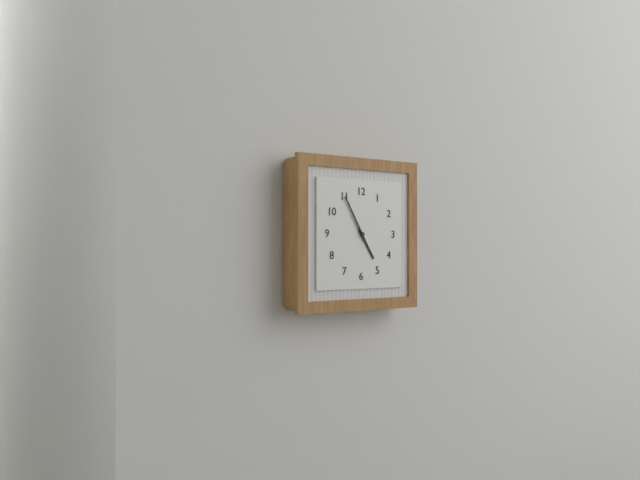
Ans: {"hour": 4, "minute": 55}
